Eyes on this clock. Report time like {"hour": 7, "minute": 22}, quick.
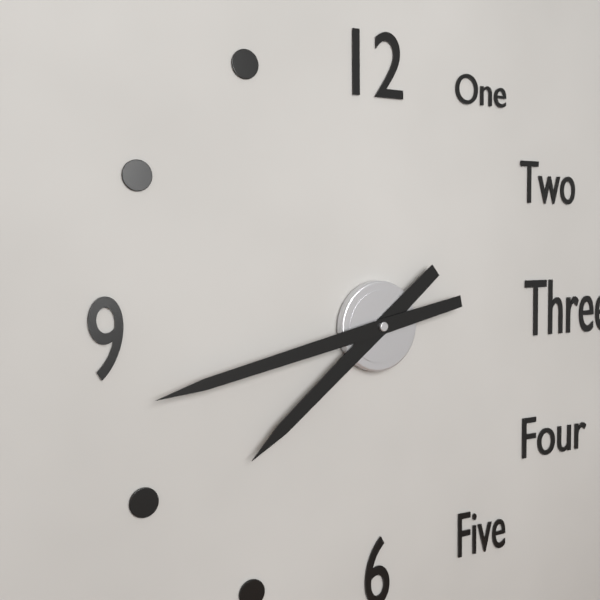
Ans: {"hour": 7, "minute": 43}
